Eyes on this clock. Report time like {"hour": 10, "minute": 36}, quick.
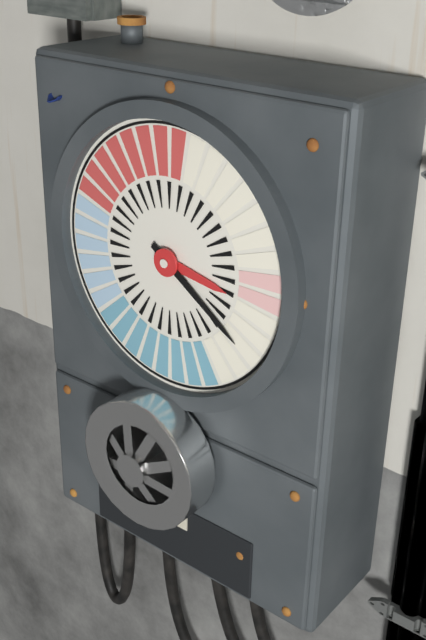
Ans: {"hour": 3, "minute": 21}
